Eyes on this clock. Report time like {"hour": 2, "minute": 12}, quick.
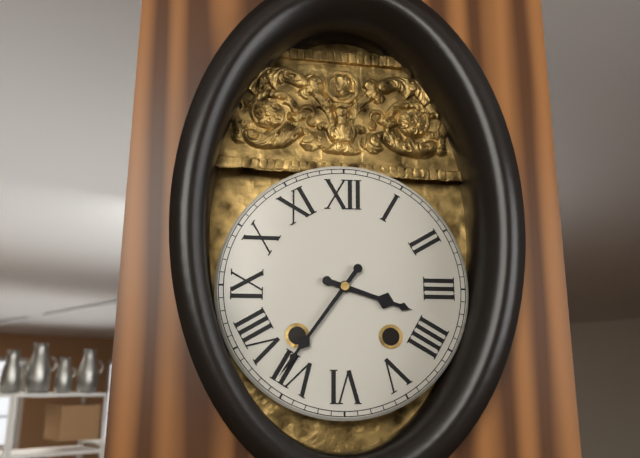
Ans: {"hour": 3, "minute": 36}
